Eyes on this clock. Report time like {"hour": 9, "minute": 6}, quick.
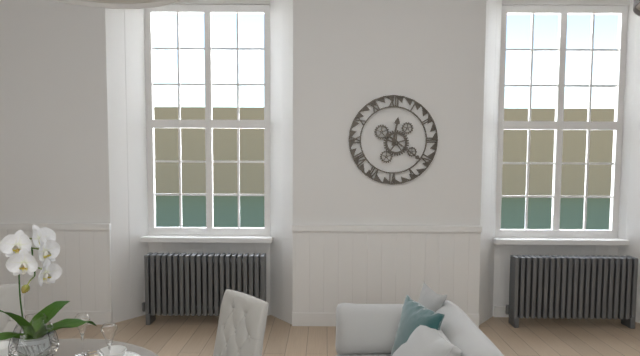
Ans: {"hour": 12, "minute": 21}
